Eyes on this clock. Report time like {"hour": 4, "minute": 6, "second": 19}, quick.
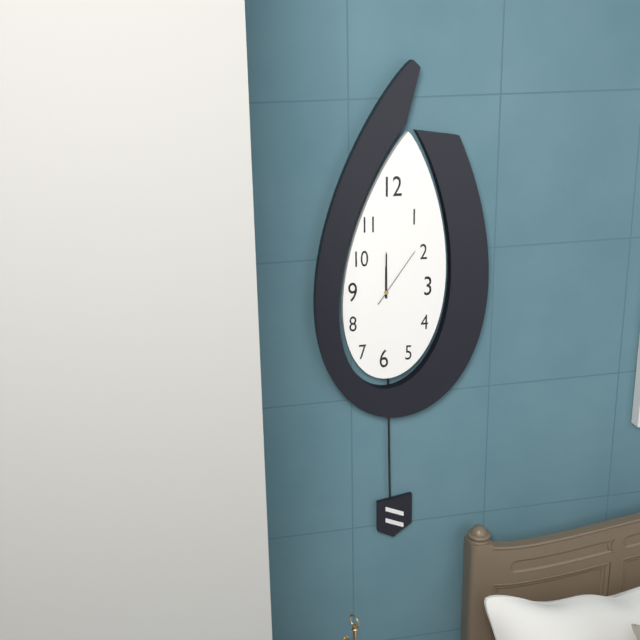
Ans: {"hour": 12, "minute": 0, "second": 6}
